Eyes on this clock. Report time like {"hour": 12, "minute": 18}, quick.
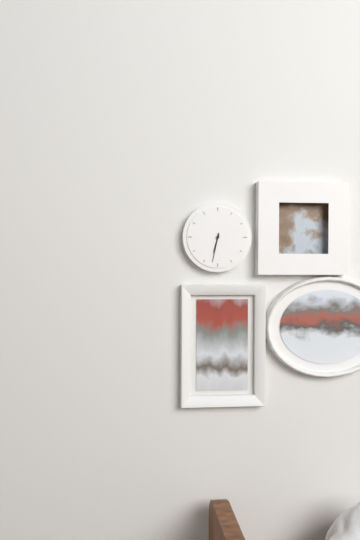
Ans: {"hour": 6, "minute": 32}
